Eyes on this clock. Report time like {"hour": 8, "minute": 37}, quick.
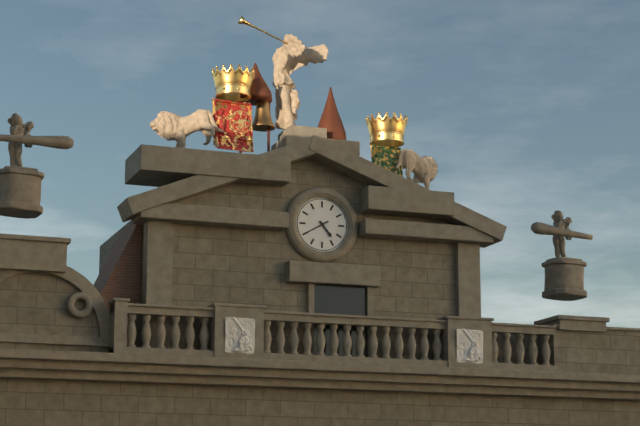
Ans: {"hour": 4, "minute": 40}
